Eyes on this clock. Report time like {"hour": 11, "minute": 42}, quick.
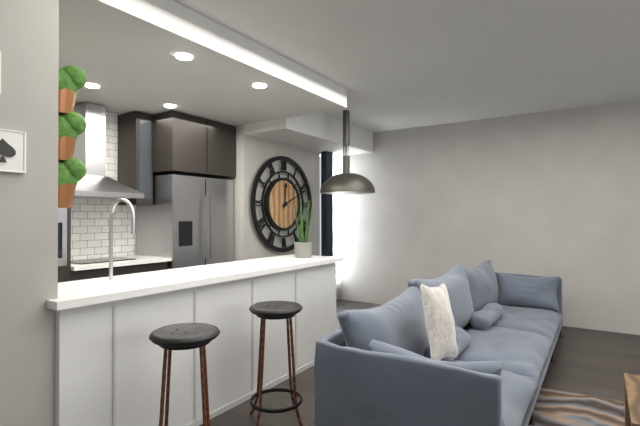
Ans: {"hour": 12, "minute": 11}
